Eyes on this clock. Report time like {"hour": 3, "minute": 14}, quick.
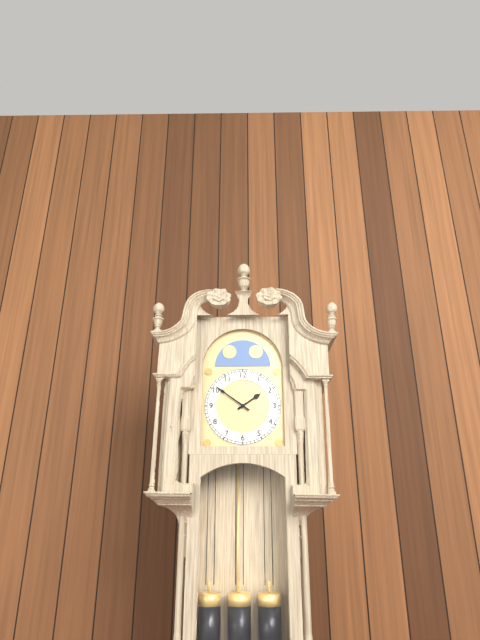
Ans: {"hour": 1, "minute": 51}
